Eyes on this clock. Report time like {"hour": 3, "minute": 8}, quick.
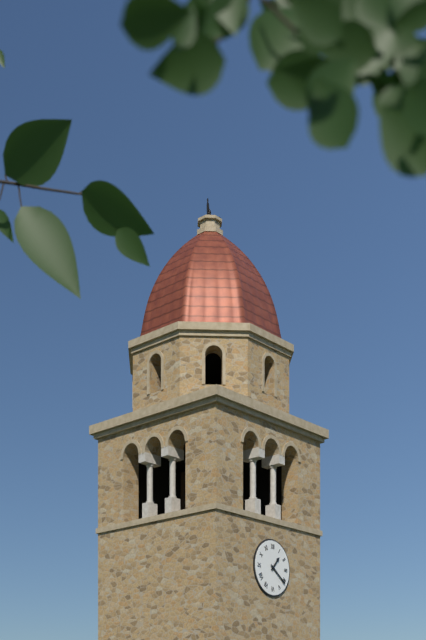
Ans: {"hour": 1, "minute": 21}
